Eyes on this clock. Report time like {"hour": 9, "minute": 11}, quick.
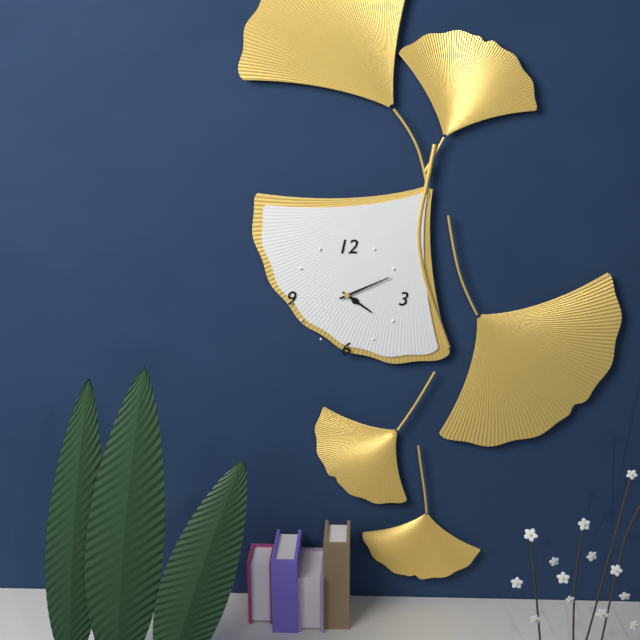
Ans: {"hour": 4, "minute": 11}
